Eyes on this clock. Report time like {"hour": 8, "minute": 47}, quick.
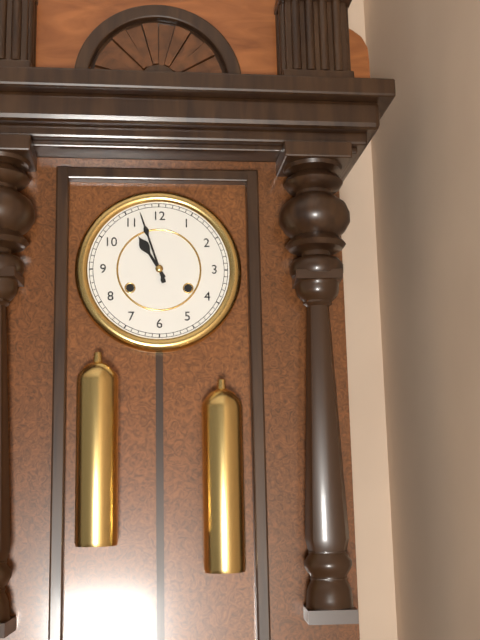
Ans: {"hour": 10, "minute": 57}
